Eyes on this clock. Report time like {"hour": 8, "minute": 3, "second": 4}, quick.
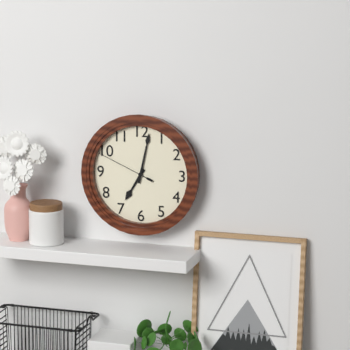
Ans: {"hour": 7, "minute": 2, "second": 49}
